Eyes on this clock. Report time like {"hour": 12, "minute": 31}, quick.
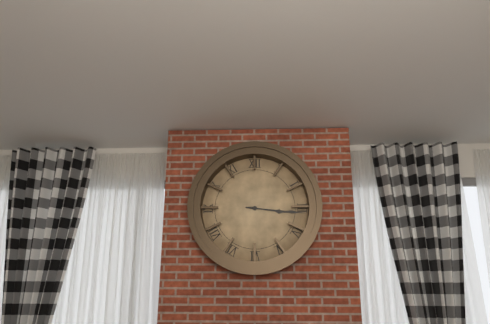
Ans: {"hour": 3, "minute": 16}
